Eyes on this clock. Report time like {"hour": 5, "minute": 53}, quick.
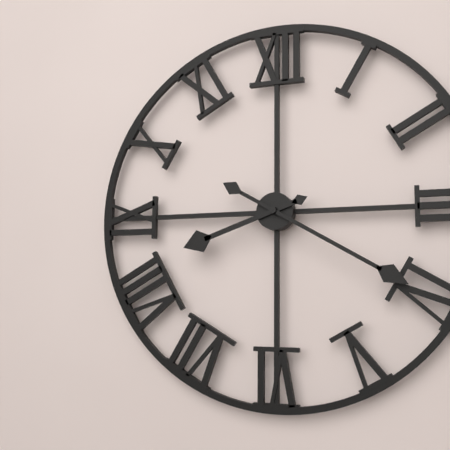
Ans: {"hour": 8, "minute": 20}
